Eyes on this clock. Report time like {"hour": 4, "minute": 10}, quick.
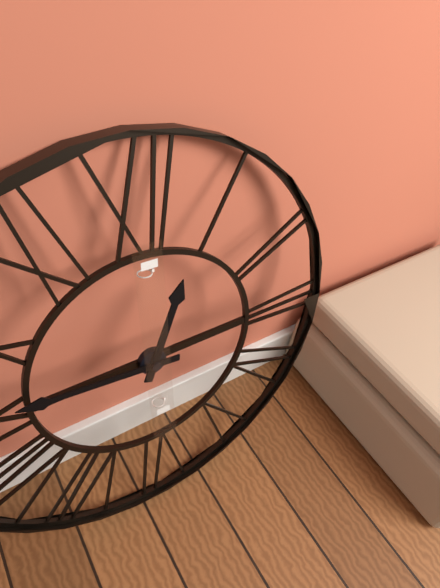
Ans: {"hour": 12, "minute": 46}
